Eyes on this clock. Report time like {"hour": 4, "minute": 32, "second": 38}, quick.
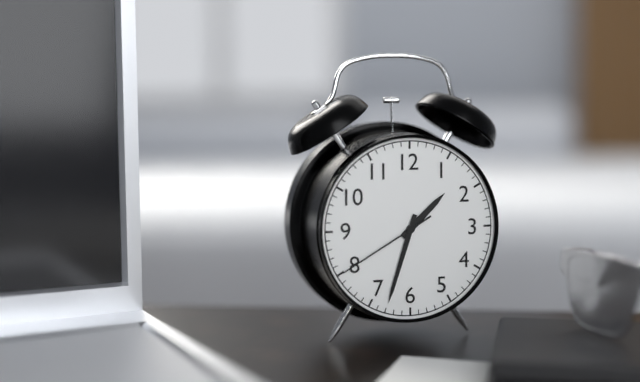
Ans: {"hour": 1, "minute": 33, "second": 40}
